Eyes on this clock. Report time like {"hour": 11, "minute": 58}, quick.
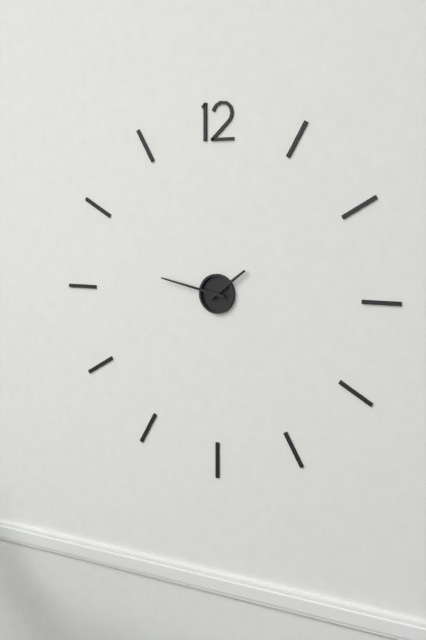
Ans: {"hour": 1, "minute": 47}
